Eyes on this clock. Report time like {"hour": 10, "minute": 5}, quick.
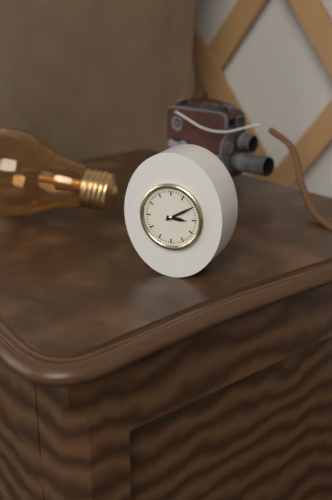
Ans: {"hour": 3, "minute": 10}
